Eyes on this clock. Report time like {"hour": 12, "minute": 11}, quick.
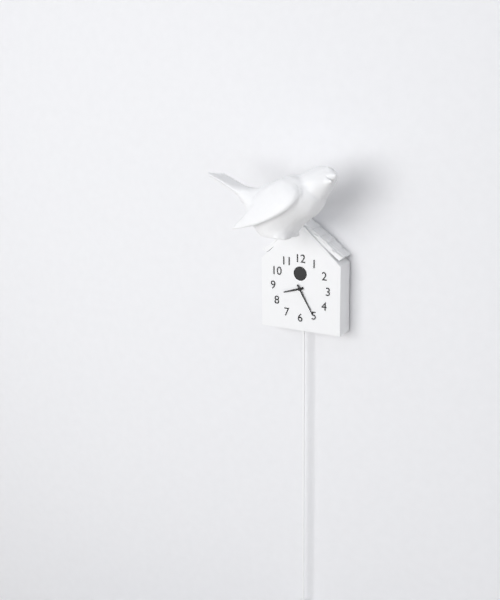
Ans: {"hour": 8, "minute": 25}
